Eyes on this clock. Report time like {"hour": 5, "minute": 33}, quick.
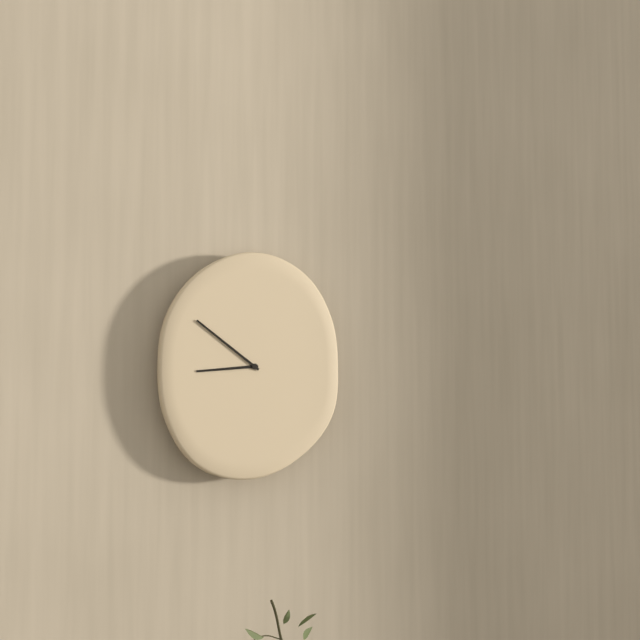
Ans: {"hour": 8, "minute": 51}
